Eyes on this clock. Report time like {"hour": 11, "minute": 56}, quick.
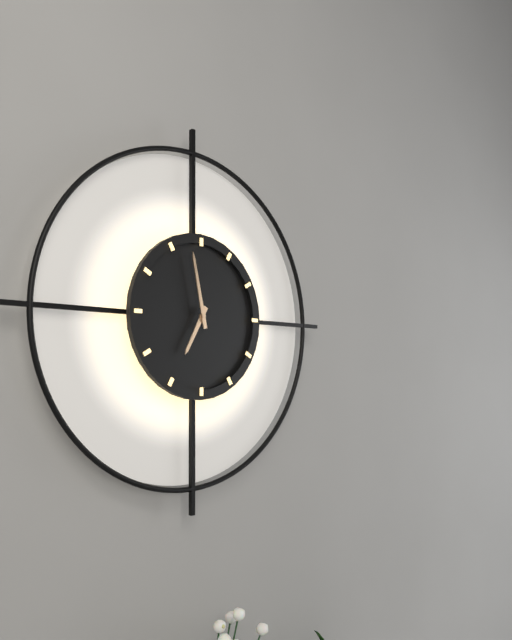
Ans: {"hour": 6, "minute": 58}
